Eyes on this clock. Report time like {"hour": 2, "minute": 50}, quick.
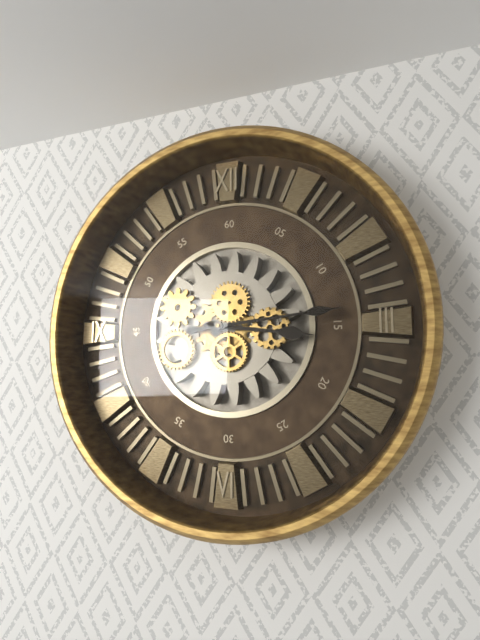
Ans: {"hour": 3, "minute": 14}
